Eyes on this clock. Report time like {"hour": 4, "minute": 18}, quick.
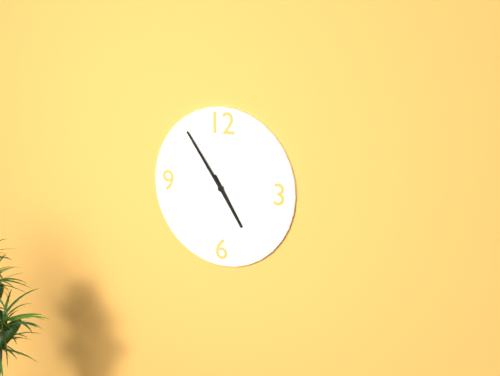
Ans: {"hour": 4, "minute": 54}
